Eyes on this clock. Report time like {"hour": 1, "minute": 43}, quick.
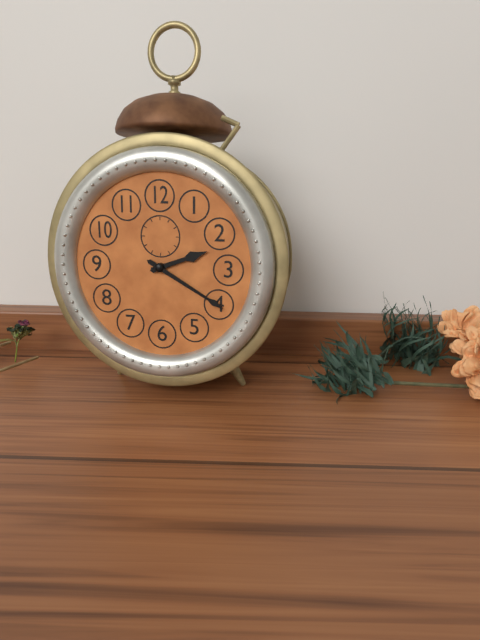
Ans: {"hour": 2, "minute": 20}
